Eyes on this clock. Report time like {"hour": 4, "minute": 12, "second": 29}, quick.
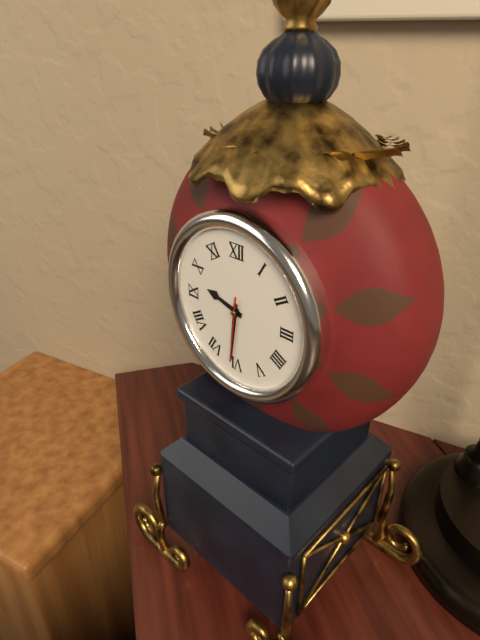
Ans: {"hour": 9, "minute": 31, "second": 31}
